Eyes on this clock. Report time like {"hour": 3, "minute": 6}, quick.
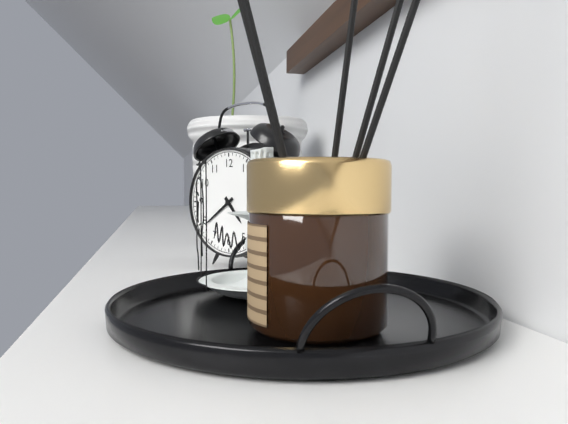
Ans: {"hour": 4, "minute": 39}
